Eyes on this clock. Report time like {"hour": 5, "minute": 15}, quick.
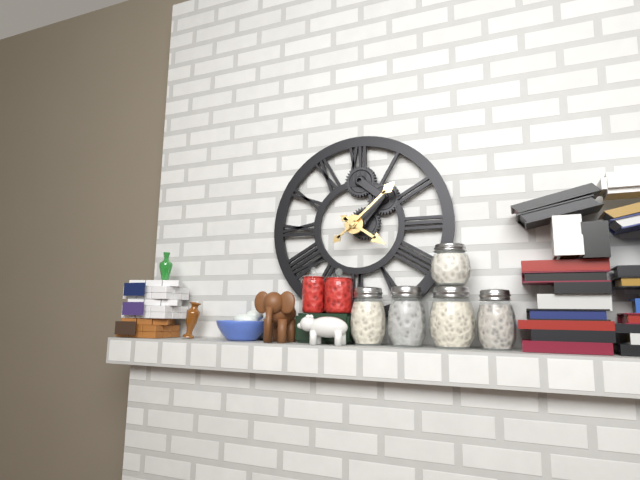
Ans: {"hour": 4, "minute": 8}
